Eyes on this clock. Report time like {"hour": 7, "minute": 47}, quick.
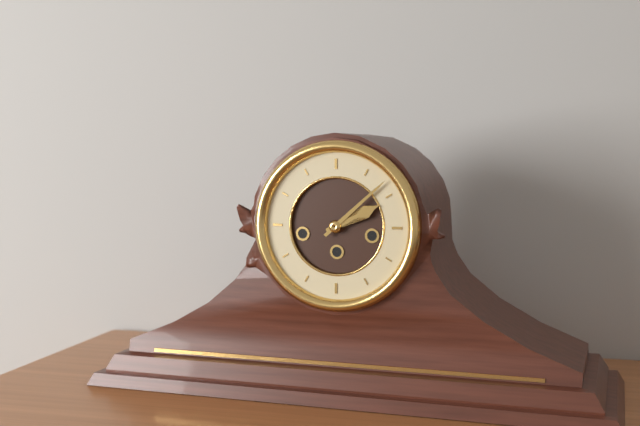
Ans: {"hour": 2, "minute": 8}
